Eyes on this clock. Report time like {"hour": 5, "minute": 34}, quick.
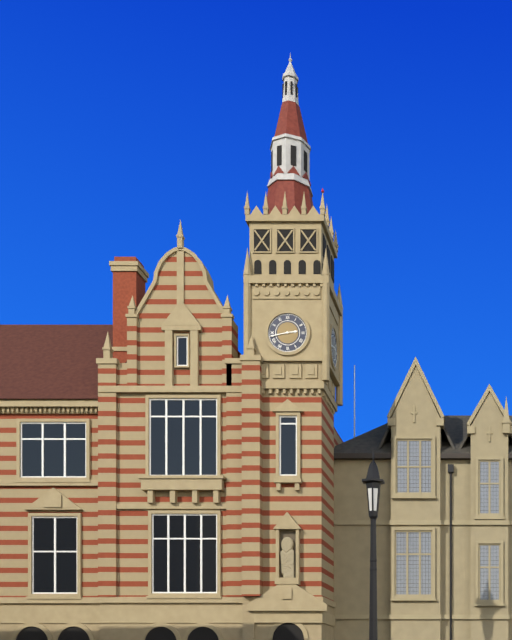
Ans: {"hour": 2, "minute": 43}
